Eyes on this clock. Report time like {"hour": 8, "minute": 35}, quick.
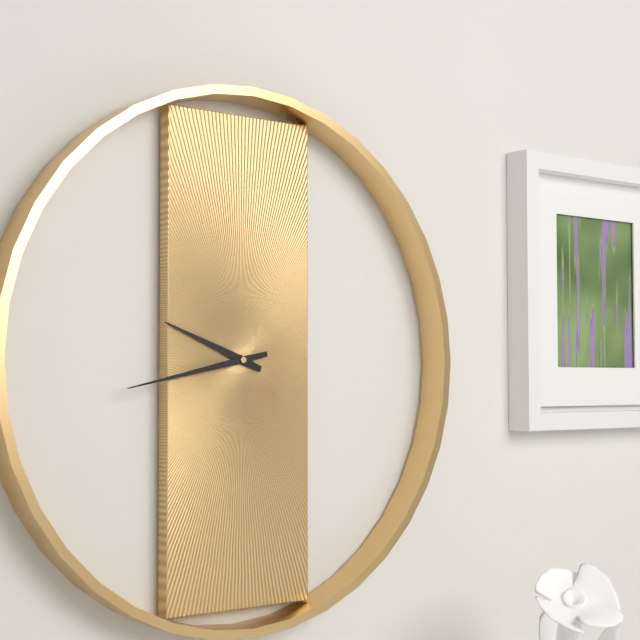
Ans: {"hour": 9, "minute": 43}
